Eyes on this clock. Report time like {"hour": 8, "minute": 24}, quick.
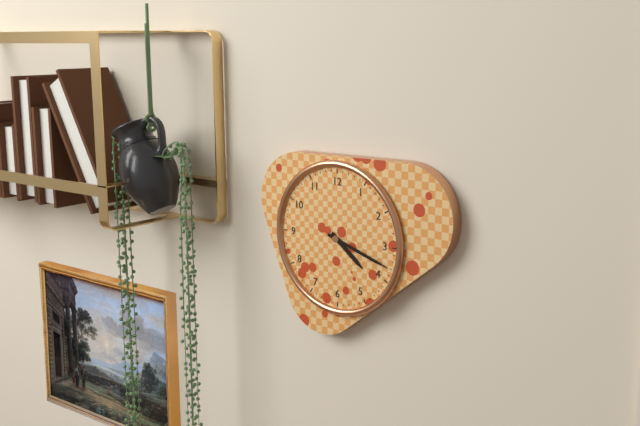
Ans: {"hour": 4, "minute": 18}
